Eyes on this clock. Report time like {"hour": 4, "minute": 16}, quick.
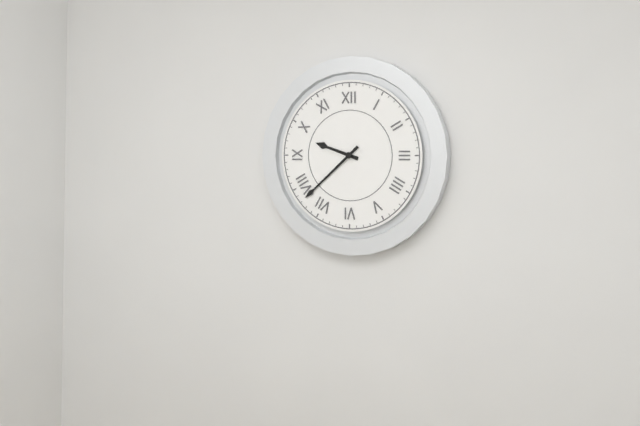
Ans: {"hour": 9, "minute": 38}
